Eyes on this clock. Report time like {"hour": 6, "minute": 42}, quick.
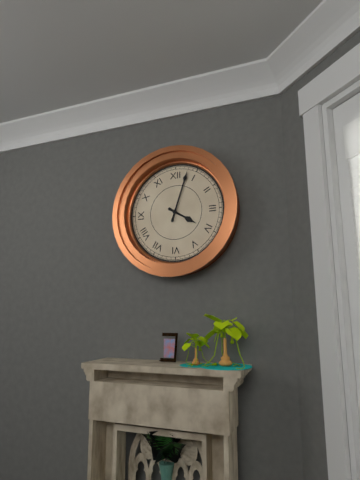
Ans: {"hour": 4, "minute": 3}
